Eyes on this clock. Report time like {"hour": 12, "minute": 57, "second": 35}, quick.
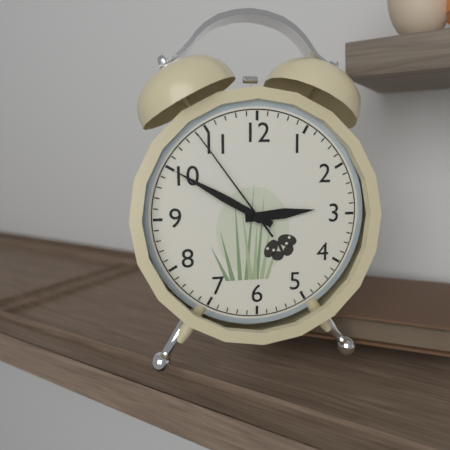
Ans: {"hour": 2, "minute": 50, "second": 54}
